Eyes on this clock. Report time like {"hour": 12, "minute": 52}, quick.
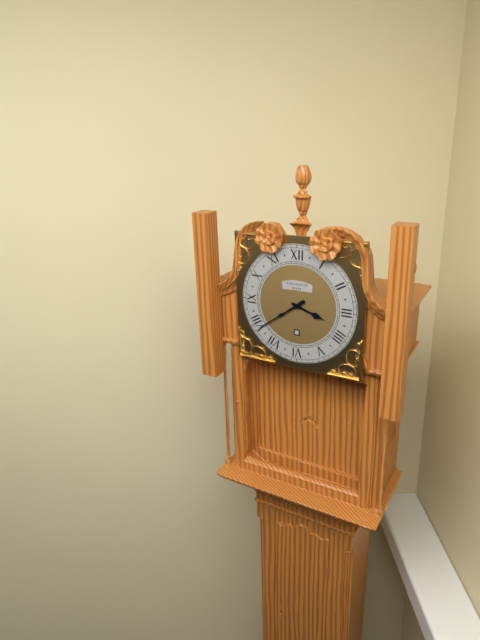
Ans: {"hour": 3, "minute": 39}
